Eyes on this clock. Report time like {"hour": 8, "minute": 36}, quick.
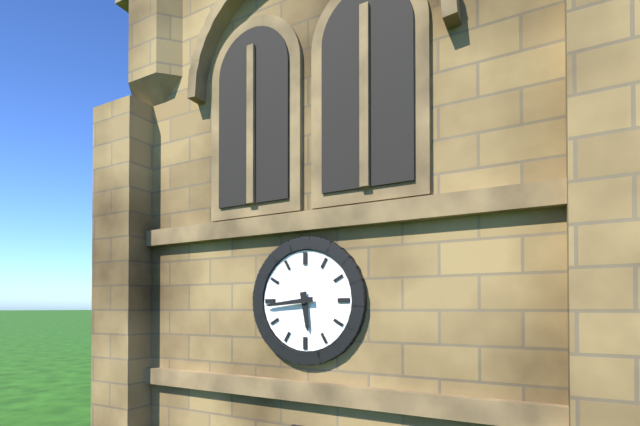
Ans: {"hour": 5, "minute": 44}
